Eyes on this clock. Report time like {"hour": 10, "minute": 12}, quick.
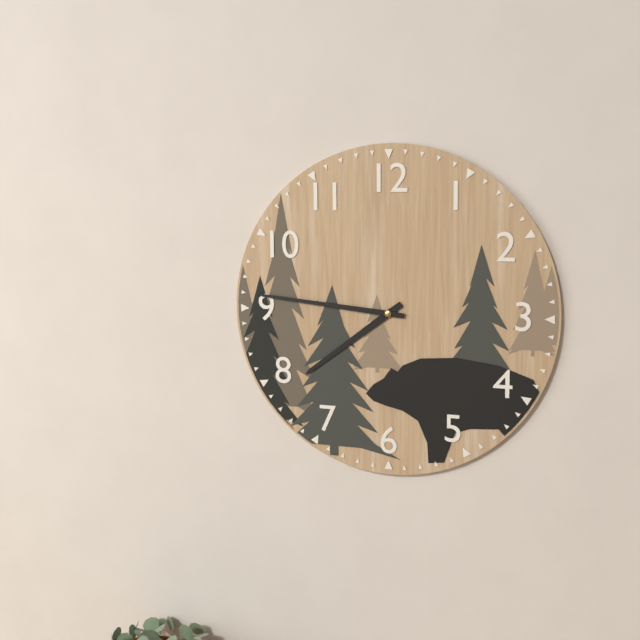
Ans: {"hour": 7, "minute": 46}
